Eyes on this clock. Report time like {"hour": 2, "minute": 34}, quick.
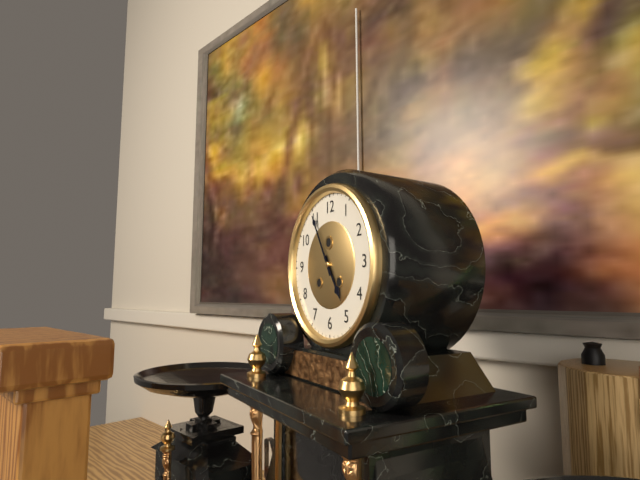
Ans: {"hour": 4, "minute": 55}
